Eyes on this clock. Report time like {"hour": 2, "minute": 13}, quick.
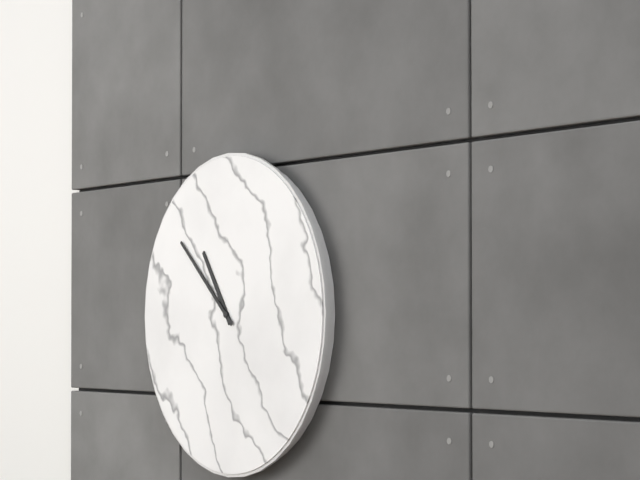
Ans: {"hour": 10, "minute": 52}
